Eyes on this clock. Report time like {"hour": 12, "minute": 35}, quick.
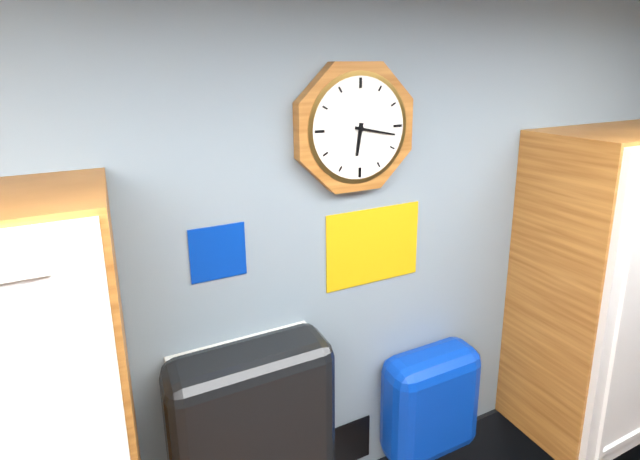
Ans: {"hour": 6, "minute": 17}
